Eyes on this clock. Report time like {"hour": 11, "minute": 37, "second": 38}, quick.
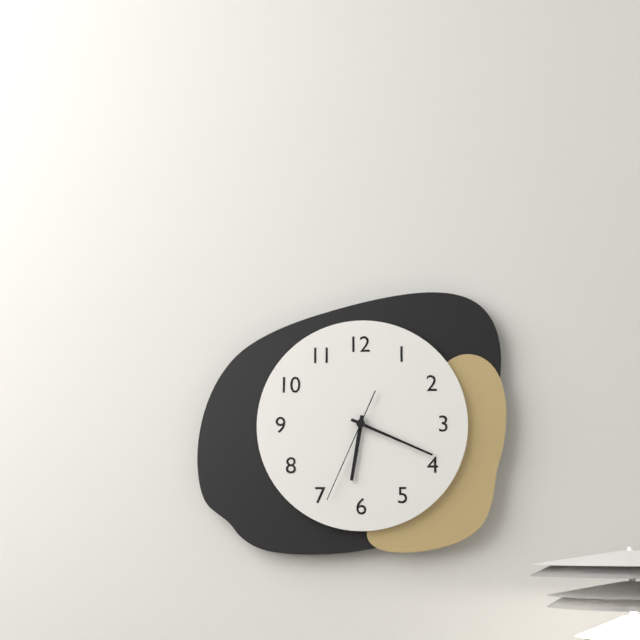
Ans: {"hour": 6, "minute": 19, "second": 34}
